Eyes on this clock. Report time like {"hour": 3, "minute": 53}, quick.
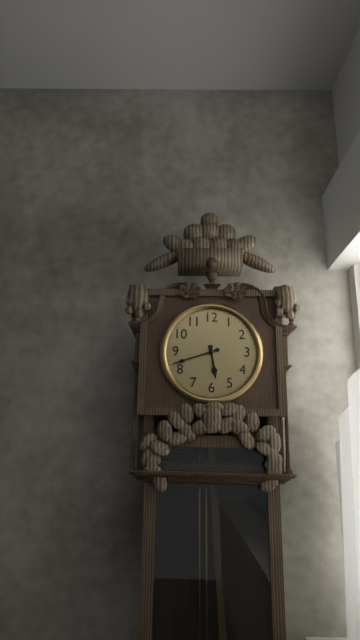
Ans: {"hour": 5, "minute": 42}
